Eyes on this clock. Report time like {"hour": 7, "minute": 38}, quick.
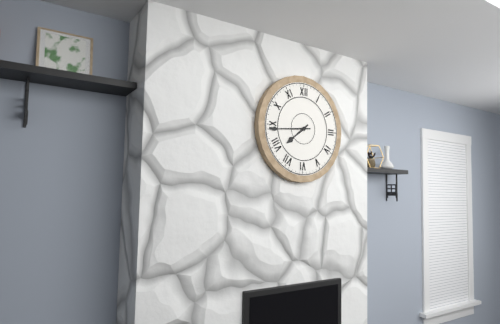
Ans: {"hour": 7, "minute": 44}
